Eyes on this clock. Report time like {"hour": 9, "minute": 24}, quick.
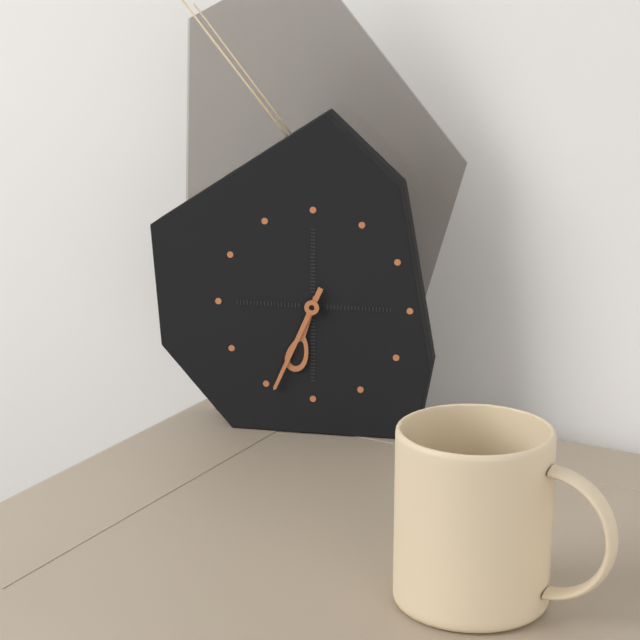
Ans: {"hour": 6, "minute": 34}
